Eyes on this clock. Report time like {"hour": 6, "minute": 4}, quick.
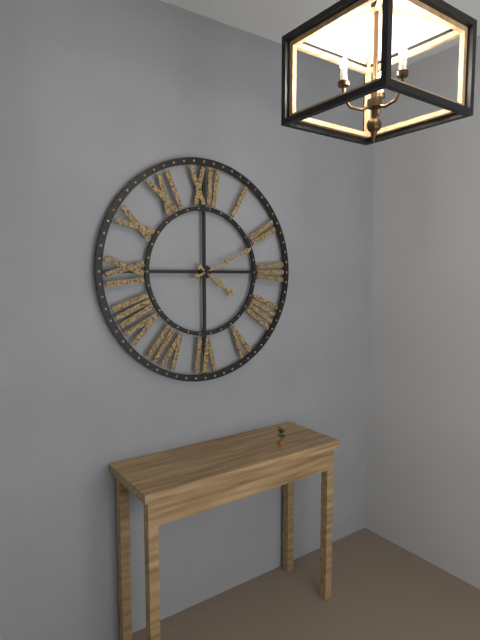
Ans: {"hour": 4, "minute": 11}
